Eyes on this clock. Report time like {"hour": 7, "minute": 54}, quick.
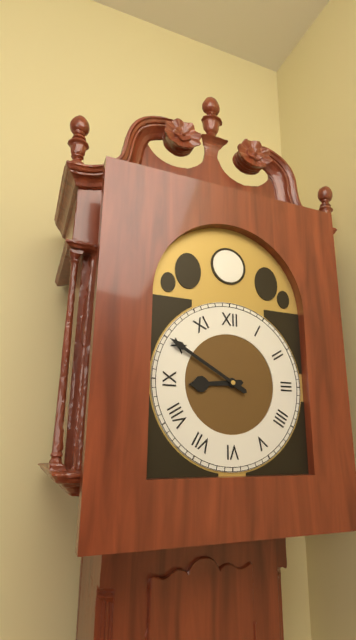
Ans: {"hour": 8, "minute": 50}
